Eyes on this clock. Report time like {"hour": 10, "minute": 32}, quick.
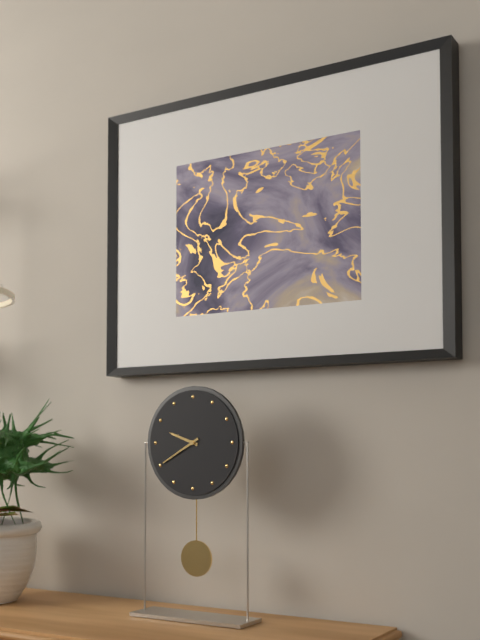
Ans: {"hour": 9, "minute": 40}
